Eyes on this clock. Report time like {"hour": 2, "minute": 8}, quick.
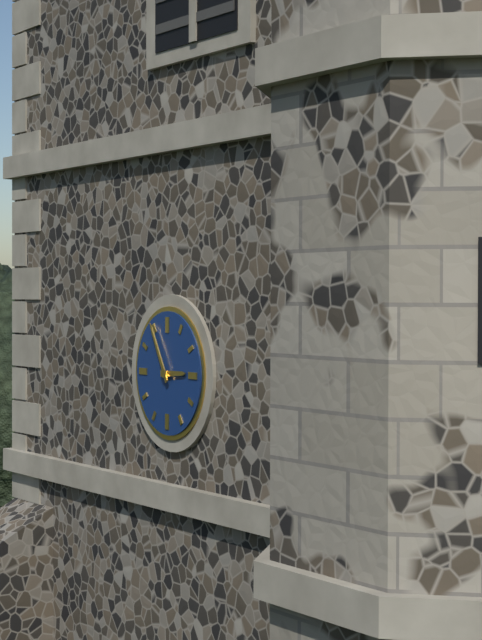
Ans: {"hour": 2, "minute": 55}
